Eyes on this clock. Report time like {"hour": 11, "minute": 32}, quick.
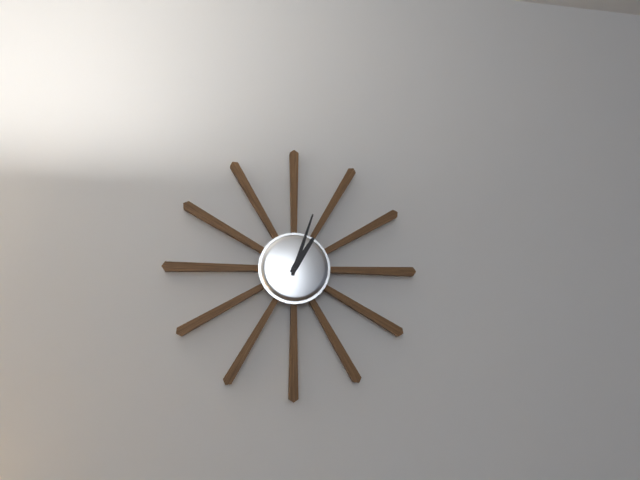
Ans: {"hour": 1, "minute": 3}
